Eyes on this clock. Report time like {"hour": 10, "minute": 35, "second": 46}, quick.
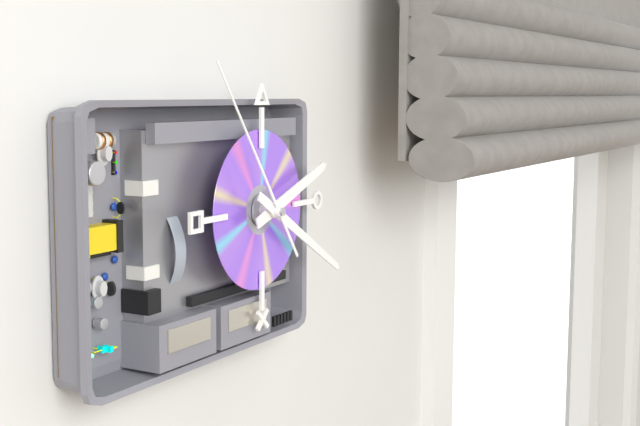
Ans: {"hour": 2, "minute": 20, "second": 54}
